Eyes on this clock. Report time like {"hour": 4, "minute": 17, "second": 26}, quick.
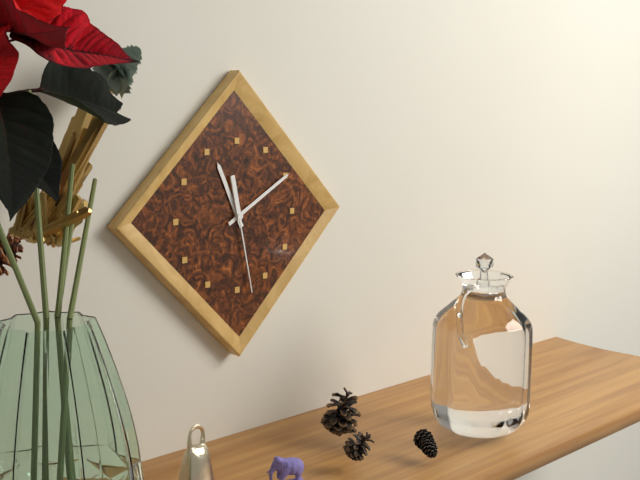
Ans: {"hour": 11, "minute": 10, "second": 28}
